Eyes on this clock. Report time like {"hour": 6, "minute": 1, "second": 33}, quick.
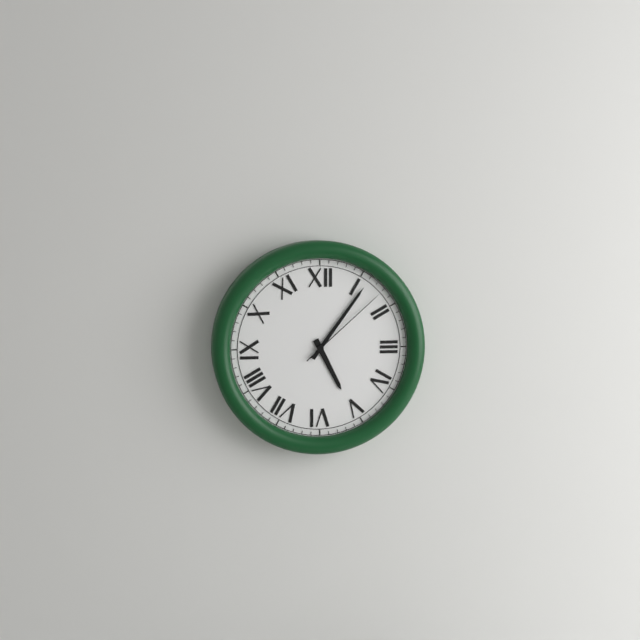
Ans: {"hour": 5, "minute": 6, "second": 8}
